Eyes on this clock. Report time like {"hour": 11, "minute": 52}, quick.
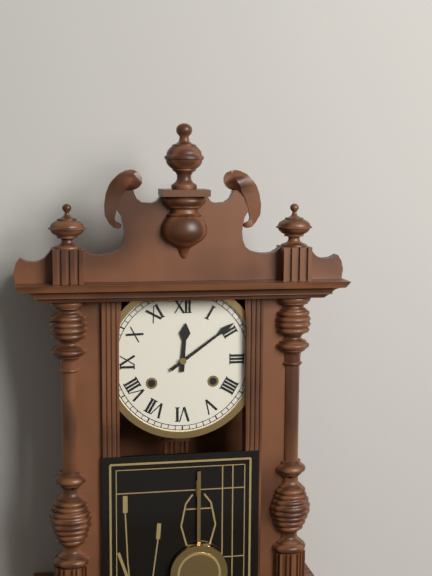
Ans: {"hour": 12, "minute": 9}
